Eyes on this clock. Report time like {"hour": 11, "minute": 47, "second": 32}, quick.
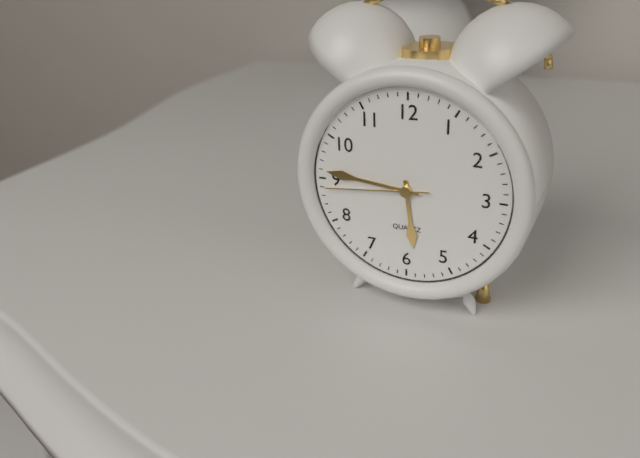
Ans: {"hour": 5, "minute": 46, "second": 44}
